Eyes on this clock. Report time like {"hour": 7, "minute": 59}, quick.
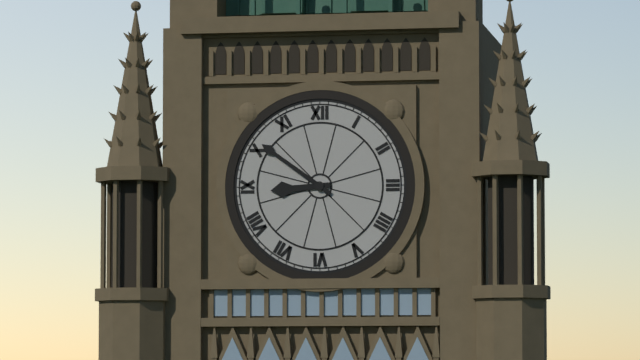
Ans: {"hour": 8, "minute": 51}
